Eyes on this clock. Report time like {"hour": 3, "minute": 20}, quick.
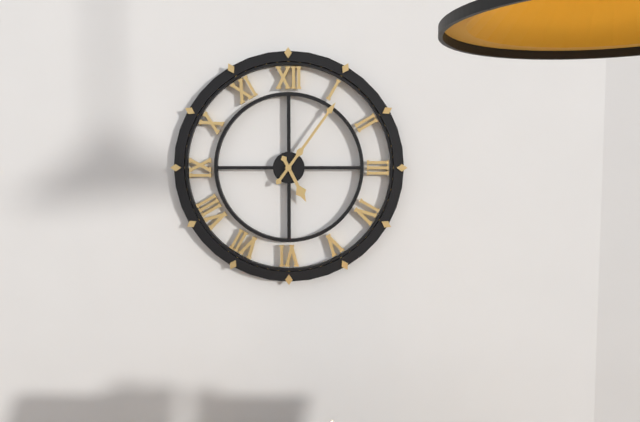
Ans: {"hour": 5, "minute": 6}
